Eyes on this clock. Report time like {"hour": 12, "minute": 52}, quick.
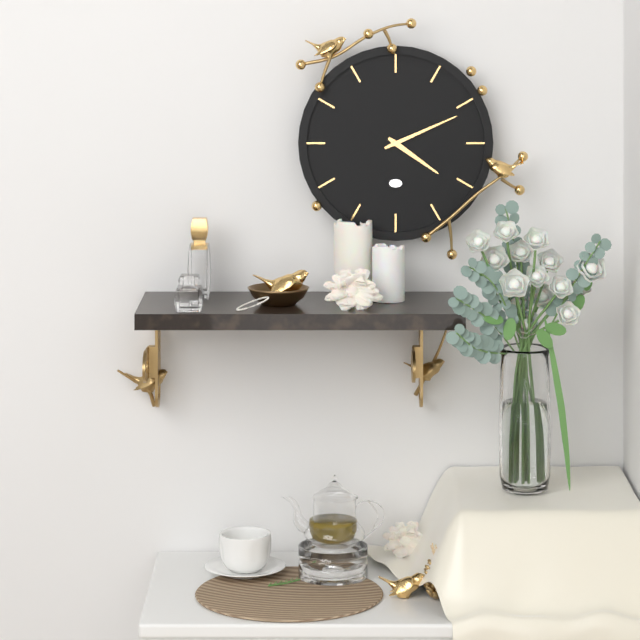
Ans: {"hour": 4, "minute": 11}
